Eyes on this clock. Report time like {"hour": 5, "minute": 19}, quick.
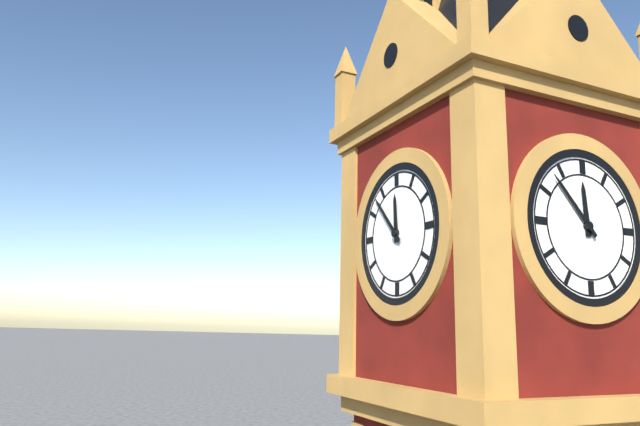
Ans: {"hour": 11, "minute": 53}
